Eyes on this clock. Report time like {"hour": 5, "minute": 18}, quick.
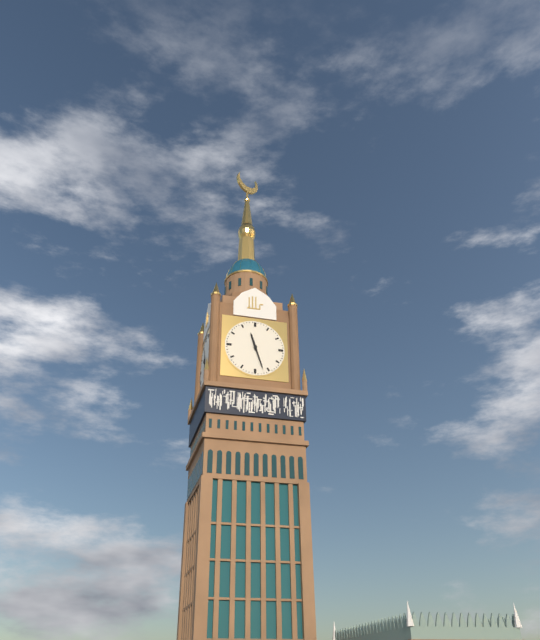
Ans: {"hour": 11, "minute": 27}
